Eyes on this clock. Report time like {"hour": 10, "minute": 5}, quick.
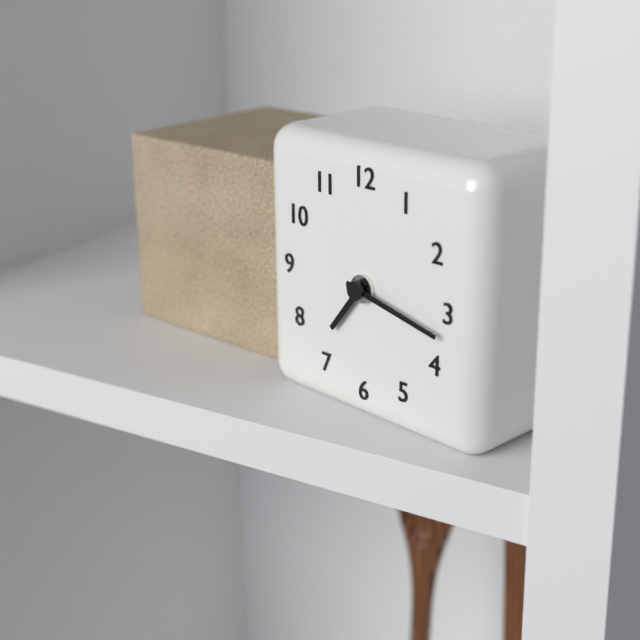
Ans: {"hour": 7, "minute": 17}
